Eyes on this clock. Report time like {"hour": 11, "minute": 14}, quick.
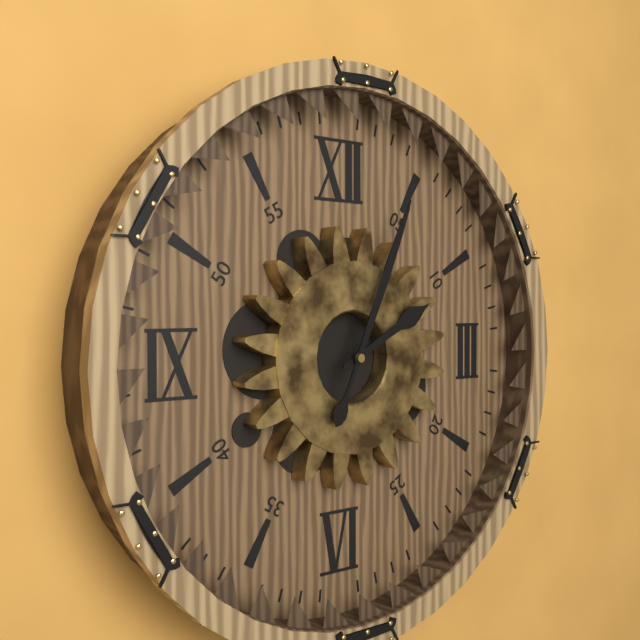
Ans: {"hour": 2, "minute": 4}
